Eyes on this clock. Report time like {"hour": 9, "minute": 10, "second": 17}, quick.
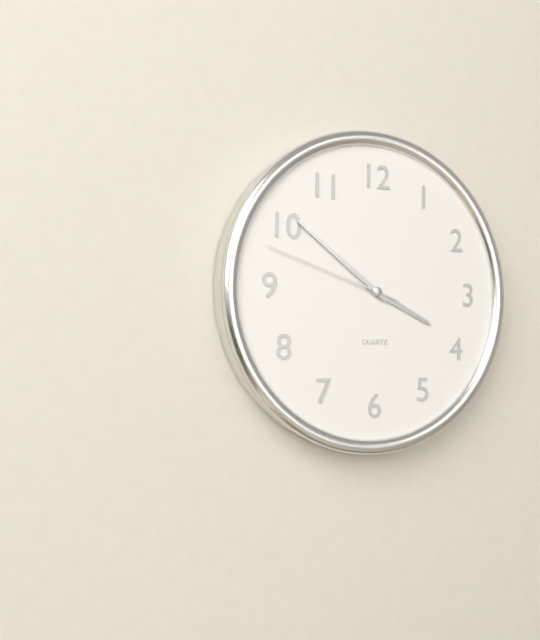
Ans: {"hour": 3, "minute": 51, "second": 48}
